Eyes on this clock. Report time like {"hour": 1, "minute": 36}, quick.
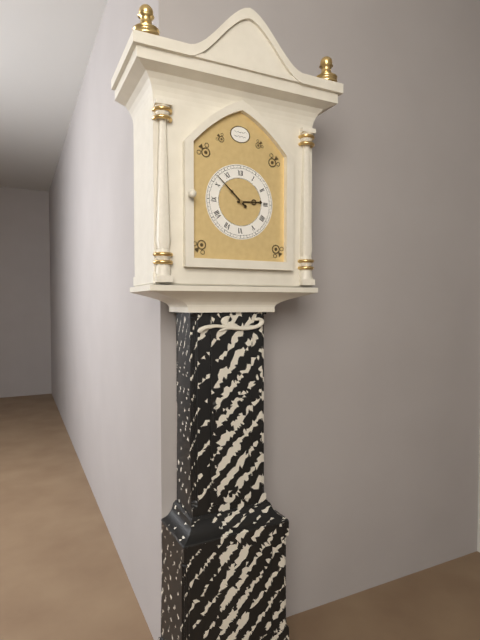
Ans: {"hour": 2, "minute": 52}
